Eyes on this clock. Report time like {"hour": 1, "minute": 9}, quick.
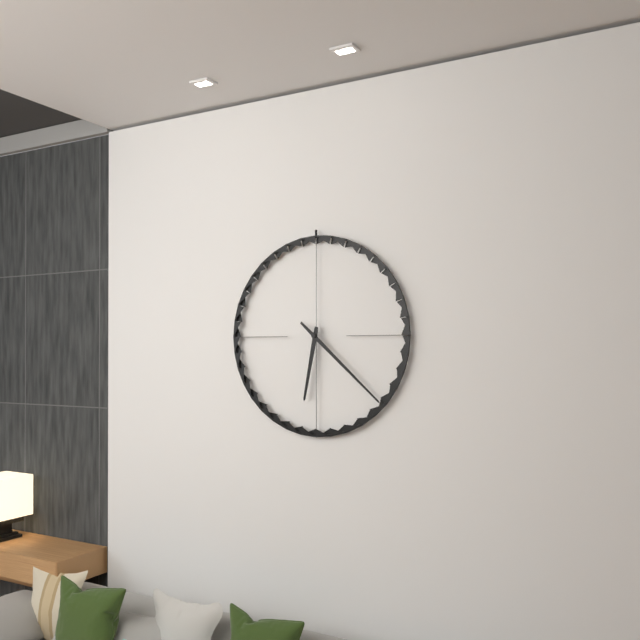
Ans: {"hour": 6, "minute": 22}
